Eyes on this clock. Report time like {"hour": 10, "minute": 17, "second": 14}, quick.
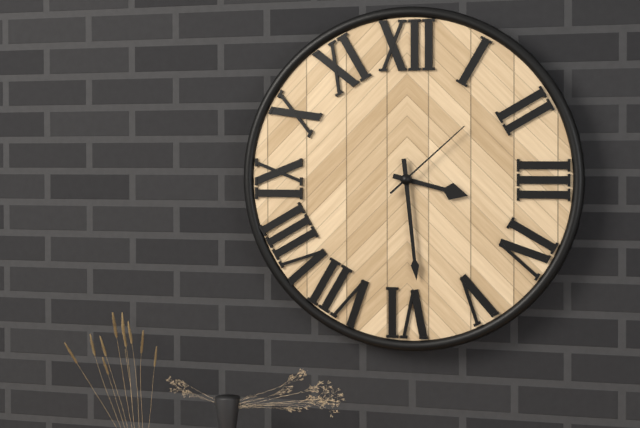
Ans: {"hour": 3, "minute": 29, "second": 8}
